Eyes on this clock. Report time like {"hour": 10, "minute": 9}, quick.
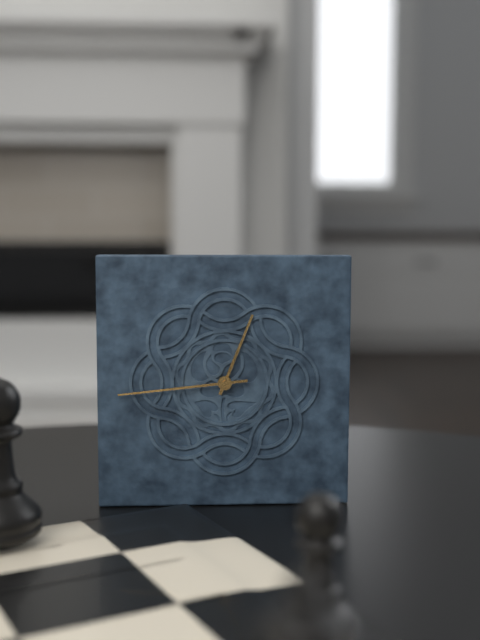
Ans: {"hour": 12, "minute": 44}
